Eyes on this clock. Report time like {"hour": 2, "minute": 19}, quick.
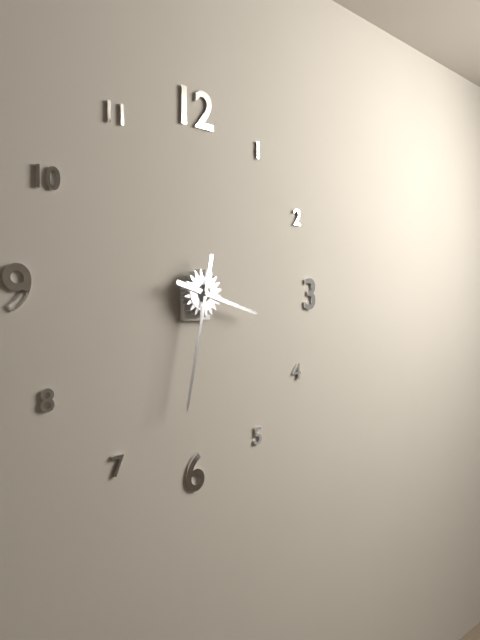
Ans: {"hour": 3, "minute": 32}
